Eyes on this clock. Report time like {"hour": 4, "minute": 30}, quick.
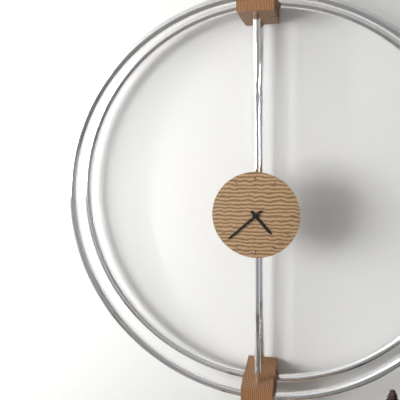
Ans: {"hour": 4, "minute": 38}
